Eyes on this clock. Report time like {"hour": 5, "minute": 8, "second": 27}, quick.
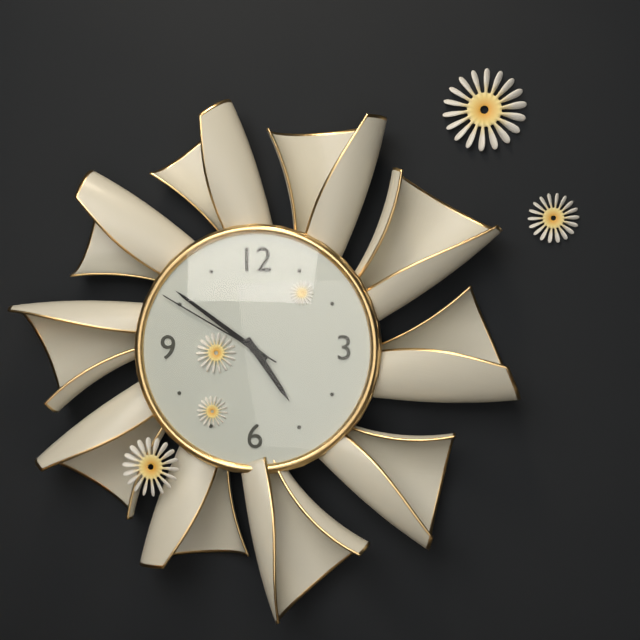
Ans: {"hour": 4, "minute": 51, "second": 50}
